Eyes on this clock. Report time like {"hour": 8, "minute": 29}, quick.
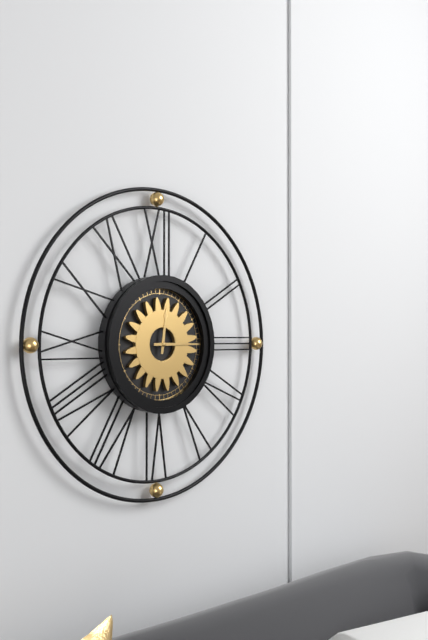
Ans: {"hour": 12, "minute": 15}
